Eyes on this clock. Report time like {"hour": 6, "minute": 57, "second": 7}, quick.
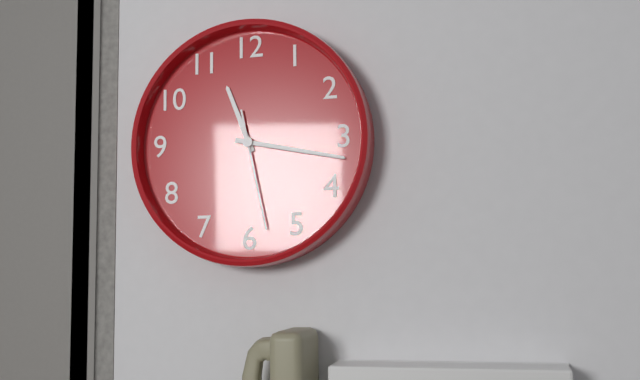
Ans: {"hour": 11, "minute": 17, "second": 28}
